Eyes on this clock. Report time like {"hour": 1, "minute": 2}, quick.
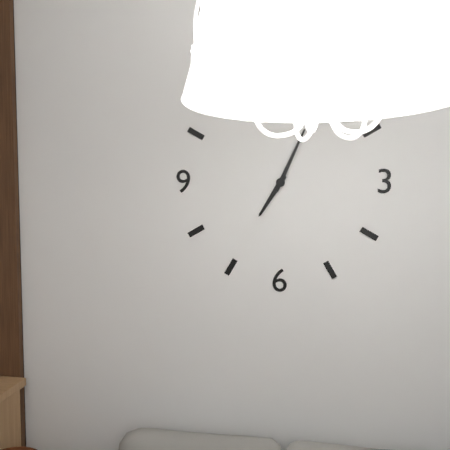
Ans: {"hour": 7, "minute": 4}
